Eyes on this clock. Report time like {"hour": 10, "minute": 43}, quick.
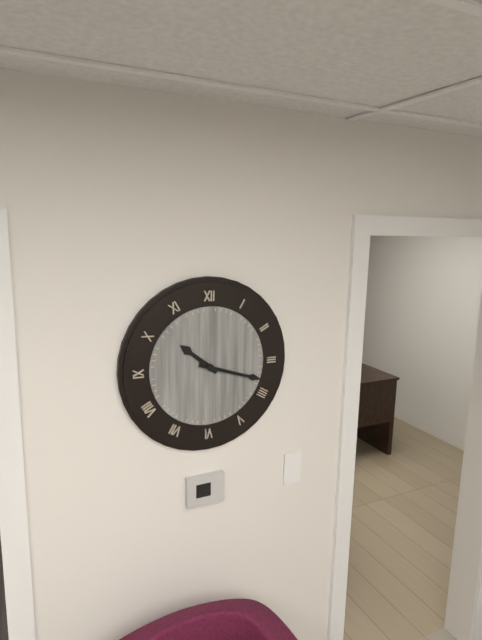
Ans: {"hour": 10, "minute": 18}
